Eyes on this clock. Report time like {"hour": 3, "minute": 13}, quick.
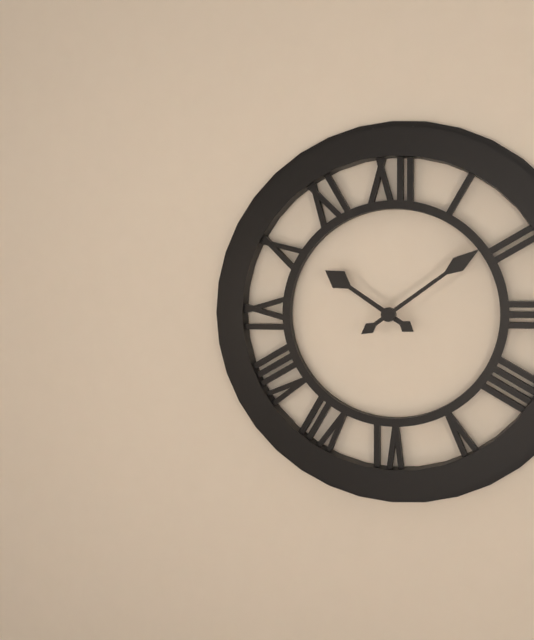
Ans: {"hour": 10, "minute": 9}
